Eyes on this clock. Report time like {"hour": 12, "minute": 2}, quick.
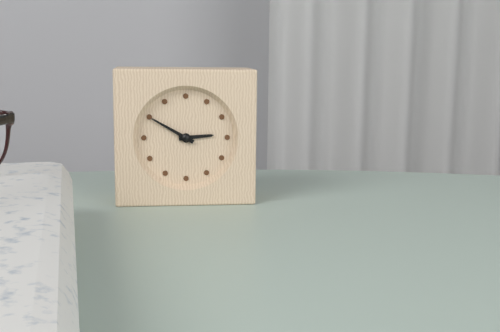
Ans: {"hour": 2, "minute": 50}
